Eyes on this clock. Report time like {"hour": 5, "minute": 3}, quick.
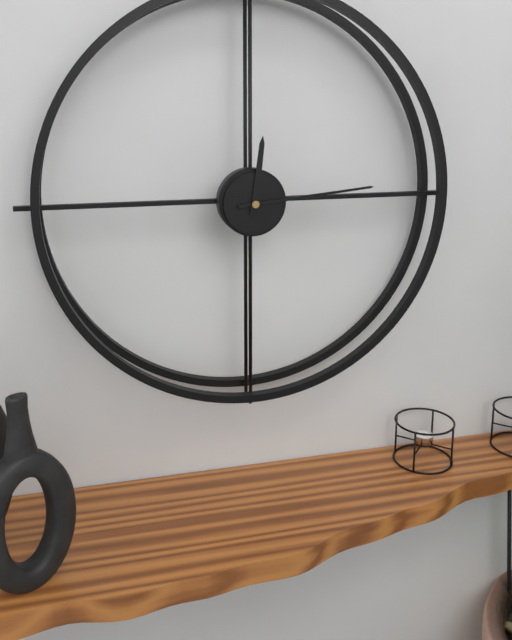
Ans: {"hour": 12, "minute": 14}
